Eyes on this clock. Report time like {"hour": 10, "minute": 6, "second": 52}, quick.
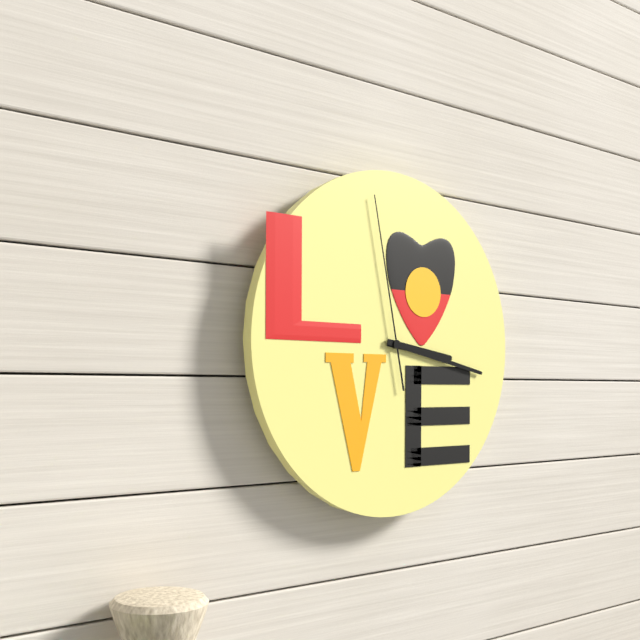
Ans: {"hour": 3, "minute": 17, "second": 58}
